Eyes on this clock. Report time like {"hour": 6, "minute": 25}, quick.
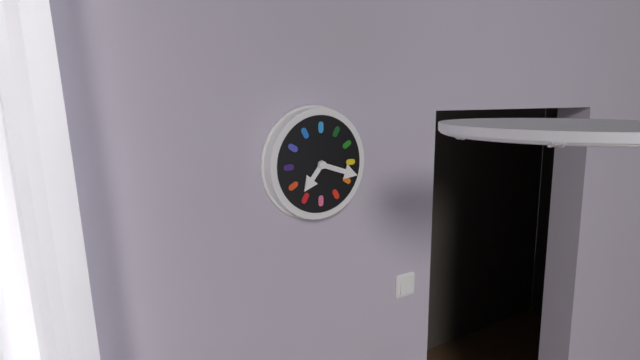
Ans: {"hour": 7, "minute": 18}
